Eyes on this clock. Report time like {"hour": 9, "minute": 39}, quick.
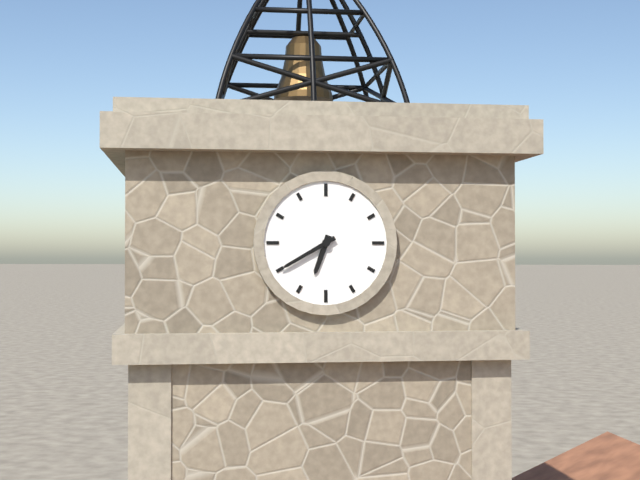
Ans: {"hour": 6, "minute": 40}
